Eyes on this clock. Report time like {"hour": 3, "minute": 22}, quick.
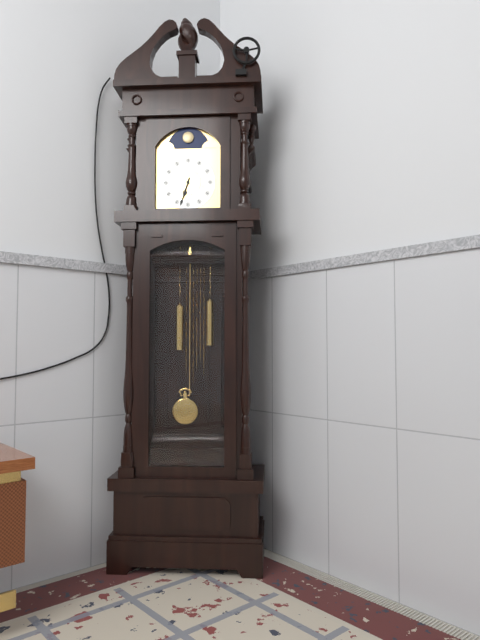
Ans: {"hour": 6, "minute": 33}
